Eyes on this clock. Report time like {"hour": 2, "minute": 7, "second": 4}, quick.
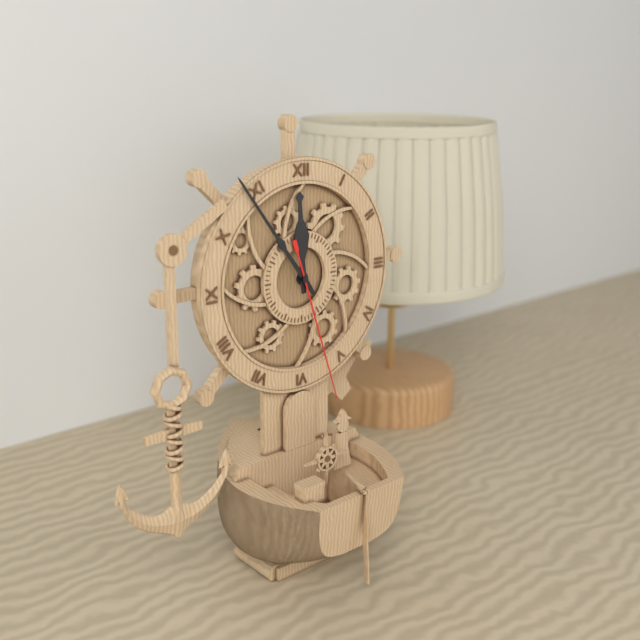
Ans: {"hour": 11, "minute": 54, "second": 27}
